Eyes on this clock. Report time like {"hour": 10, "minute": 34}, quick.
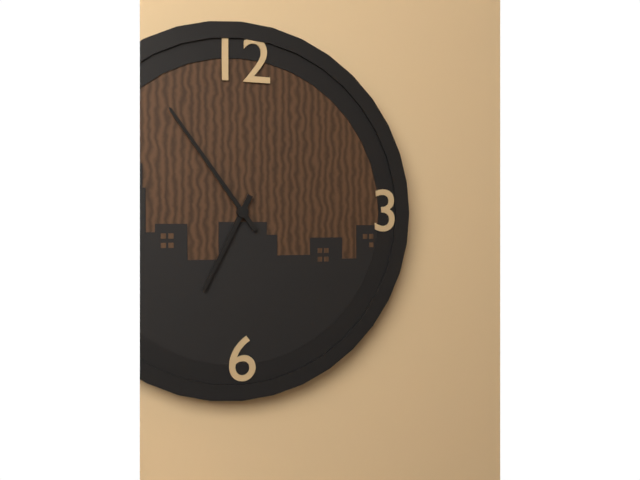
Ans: {"hour": 6, "minute": 54}
